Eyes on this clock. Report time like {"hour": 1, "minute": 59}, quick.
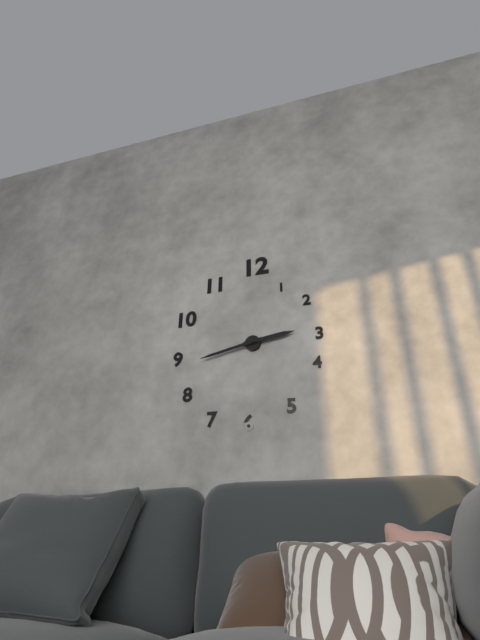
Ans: {"hour": 2, "minute": 43}
